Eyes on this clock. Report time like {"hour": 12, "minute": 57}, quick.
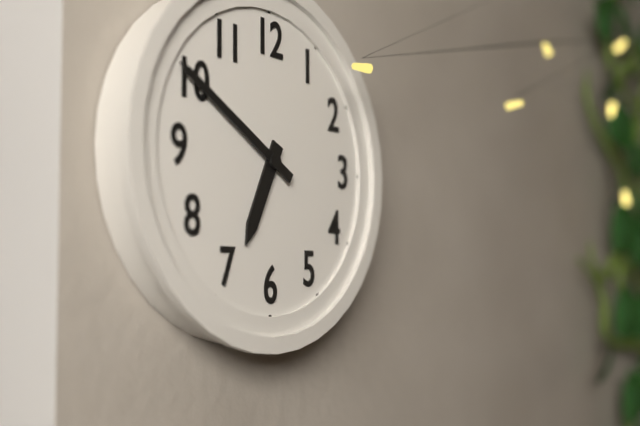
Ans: {"hour": 6, "minute": 50}
